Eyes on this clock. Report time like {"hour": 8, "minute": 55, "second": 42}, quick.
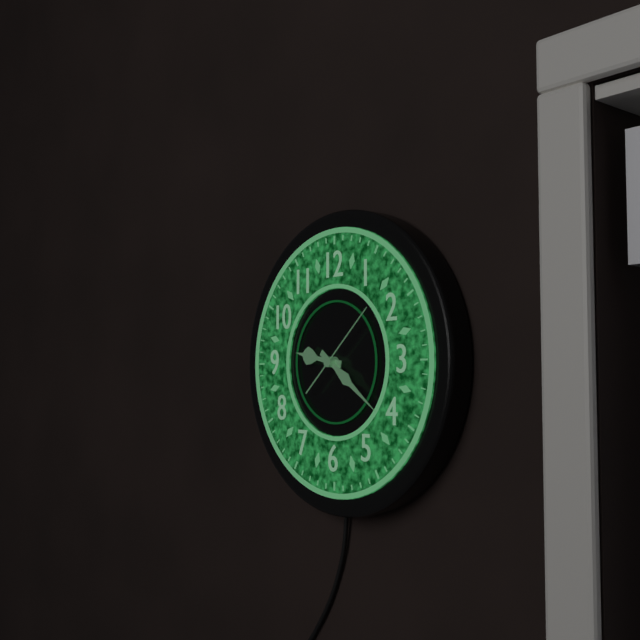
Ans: {"hour": 9, "minute": 21, "second": 8}
